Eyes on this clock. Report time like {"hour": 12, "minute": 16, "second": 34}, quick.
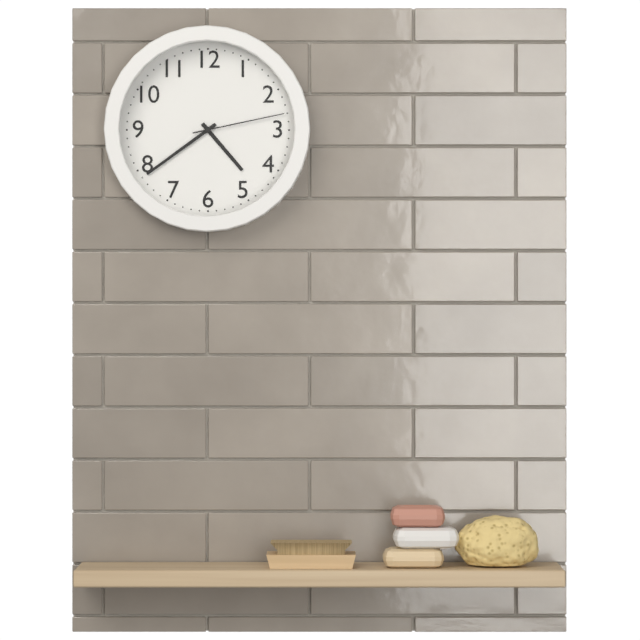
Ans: {"hour": 4, "minute": 39, "second": 13}
